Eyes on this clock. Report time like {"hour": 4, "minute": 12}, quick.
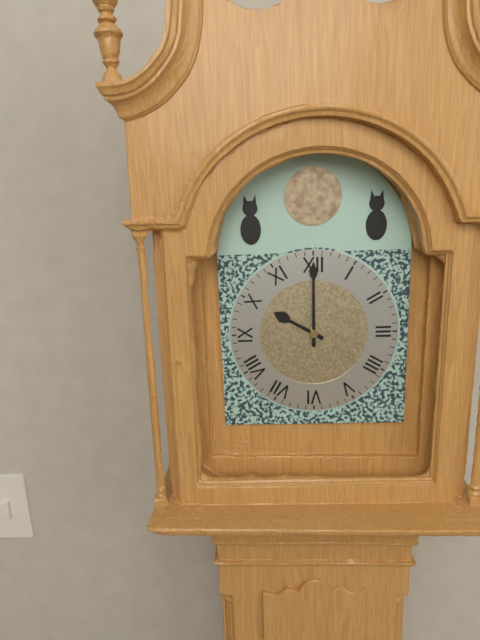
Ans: {"hour": 10, "minute": 0}
